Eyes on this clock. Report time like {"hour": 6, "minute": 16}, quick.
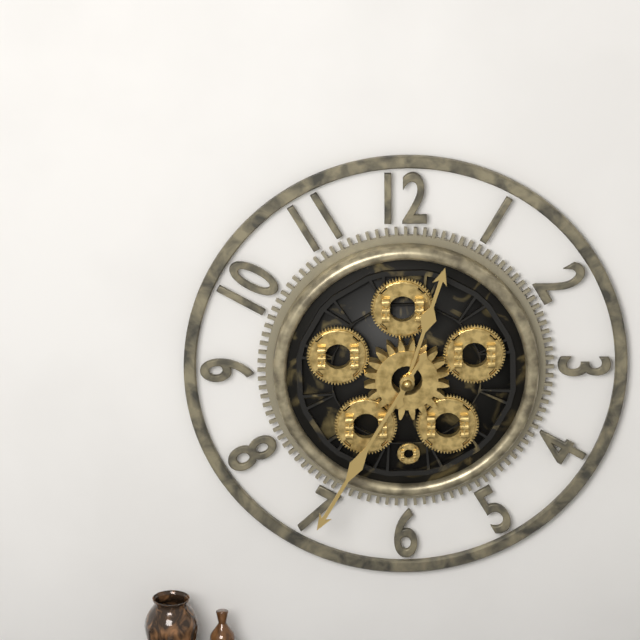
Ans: {"hour": 12, "minute": 35}
